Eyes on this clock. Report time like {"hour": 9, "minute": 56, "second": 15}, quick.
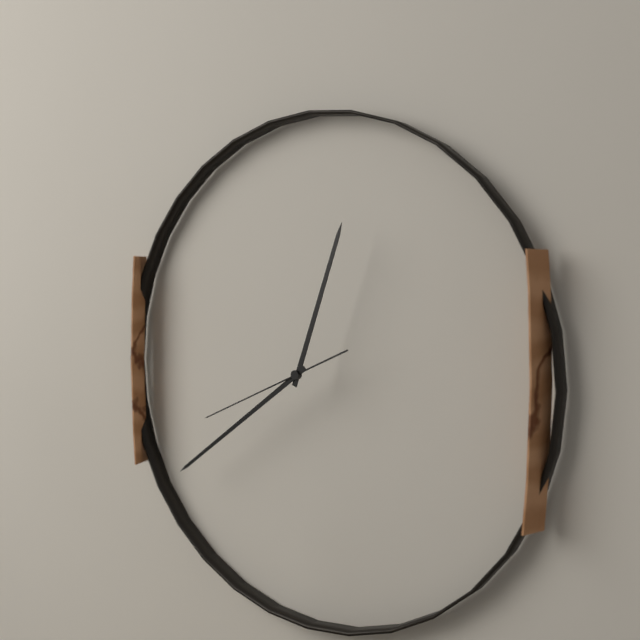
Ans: {"hour": 12, "minute": 39, "second": 41}
